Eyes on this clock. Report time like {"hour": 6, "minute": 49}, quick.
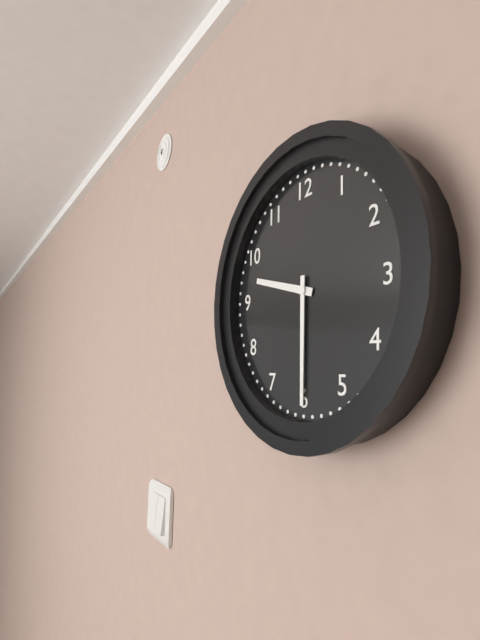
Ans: {"hour": 9, "minute": 30}
